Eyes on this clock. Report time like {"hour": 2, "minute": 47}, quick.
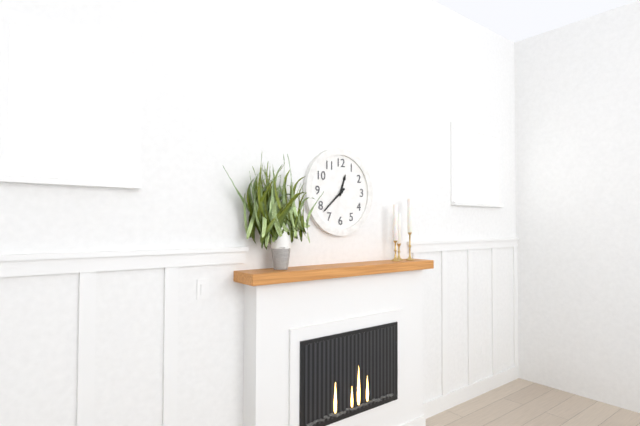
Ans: {"hour": 12, "minute": 38}
